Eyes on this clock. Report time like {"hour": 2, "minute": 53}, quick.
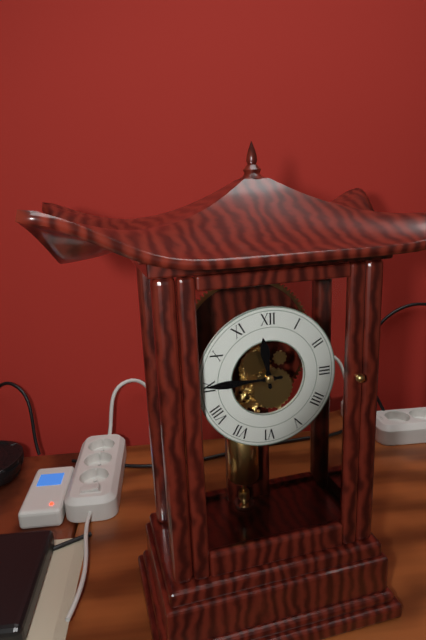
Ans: {"hour": 11, "minute": 45}
